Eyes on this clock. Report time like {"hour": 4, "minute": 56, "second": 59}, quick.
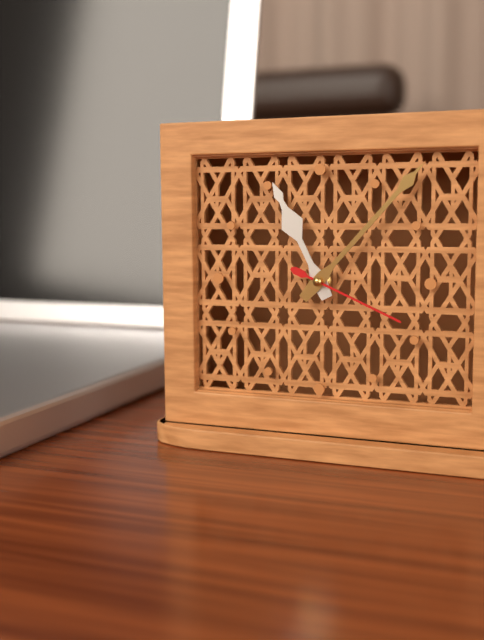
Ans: {"hour": 11, "minute": 7, "second": 19}
